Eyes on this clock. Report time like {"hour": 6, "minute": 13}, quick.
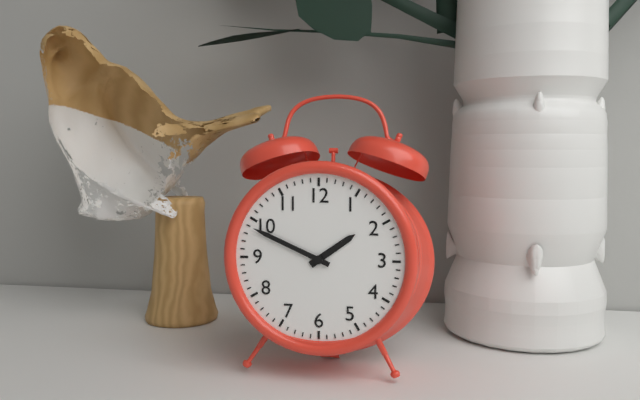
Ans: {"hour": 1, "minute": 49}
